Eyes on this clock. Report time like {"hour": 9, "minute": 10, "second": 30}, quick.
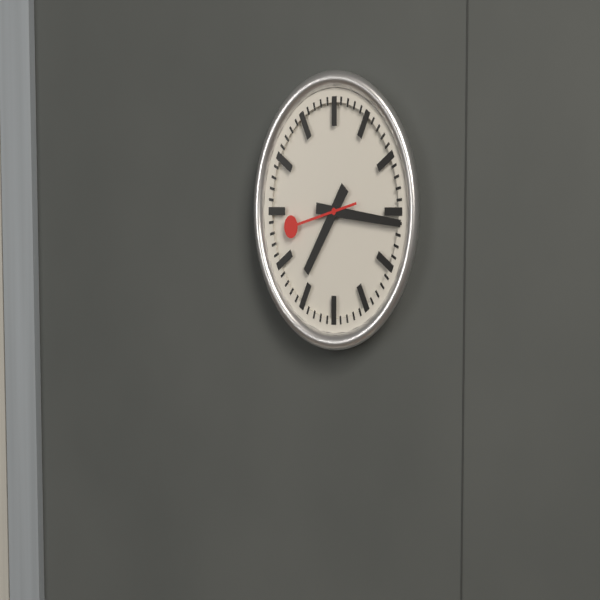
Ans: {"hour": 7, "minute": 16, "second": 43}
